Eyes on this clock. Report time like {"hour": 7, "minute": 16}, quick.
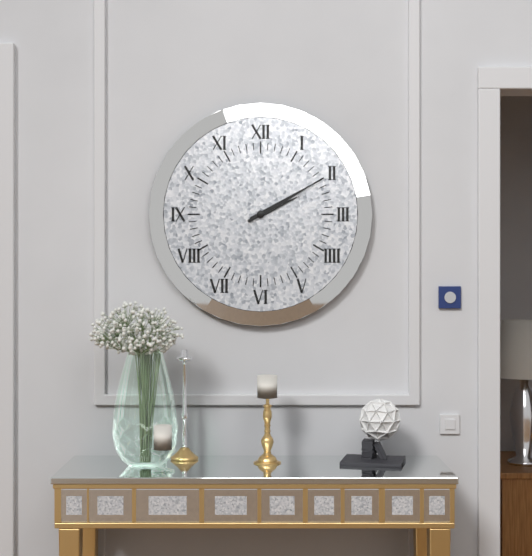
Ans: {"hour": 2, "minute": 10}
